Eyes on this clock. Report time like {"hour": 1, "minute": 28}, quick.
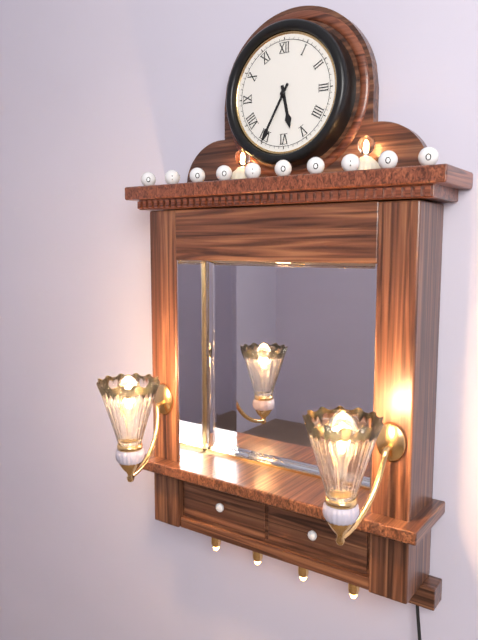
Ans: {"hour": 5, "minute": 35}
